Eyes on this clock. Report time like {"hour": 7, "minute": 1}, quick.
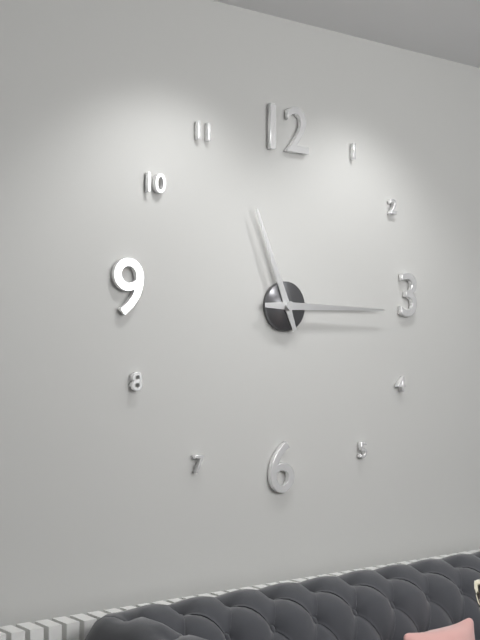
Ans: {"hour": 11, "minute": 15}
